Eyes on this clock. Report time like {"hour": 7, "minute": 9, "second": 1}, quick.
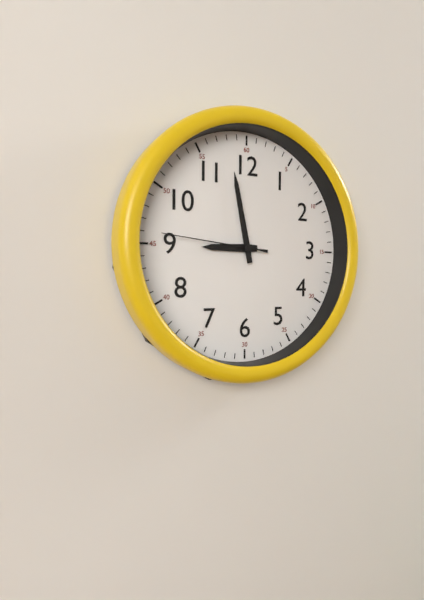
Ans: {"hour": 8, "minute": 58, "second": 46}
